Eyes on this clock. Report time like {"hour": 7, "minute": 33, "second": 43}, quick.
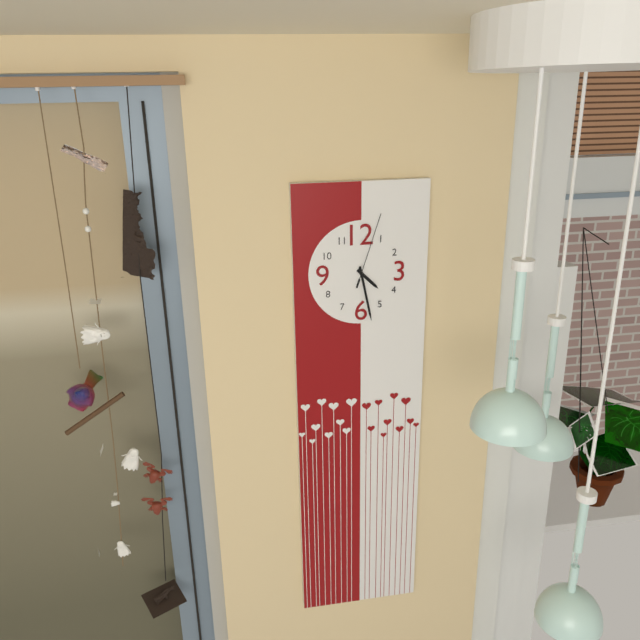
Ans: {"hour": 4, "minute": 28, "second": 3}
